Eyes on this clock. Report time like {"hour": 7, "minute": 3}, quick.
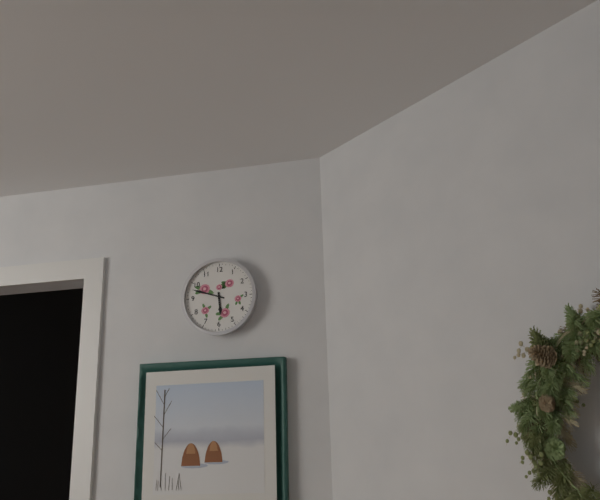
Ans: {"hour": 5, "minute": 48}
